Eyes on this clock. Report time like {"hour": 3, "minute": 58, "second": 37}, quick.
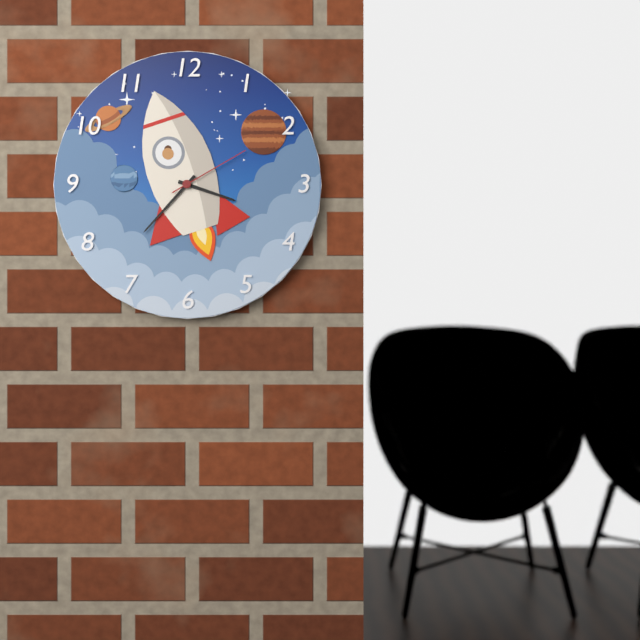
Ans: {"hour": 3, "minute": 37, "second": 10}
